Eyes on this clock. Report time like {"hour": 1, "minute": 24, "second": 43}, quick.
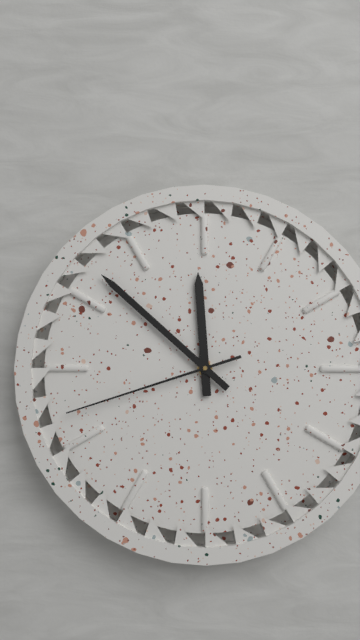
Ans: {"hour": 11, "minute": 52, "second": 42}
